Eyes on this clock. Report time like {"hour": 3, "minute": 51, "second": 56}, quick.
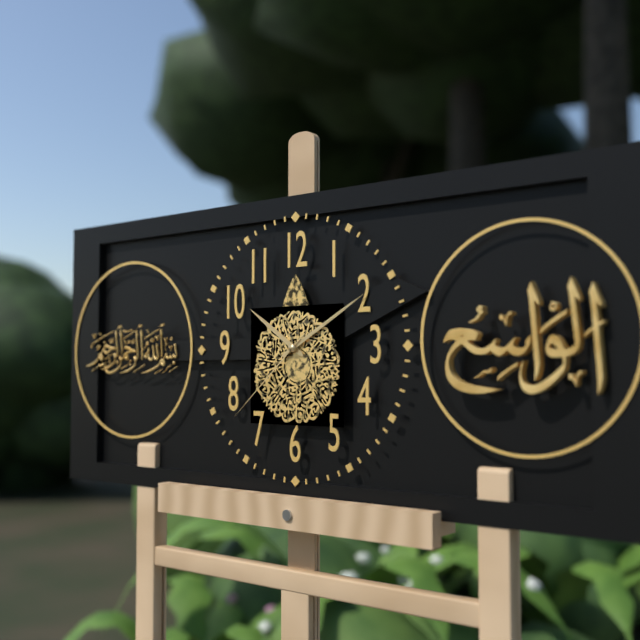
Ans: {"hour": 10, "minute": 10, "second": 38}
